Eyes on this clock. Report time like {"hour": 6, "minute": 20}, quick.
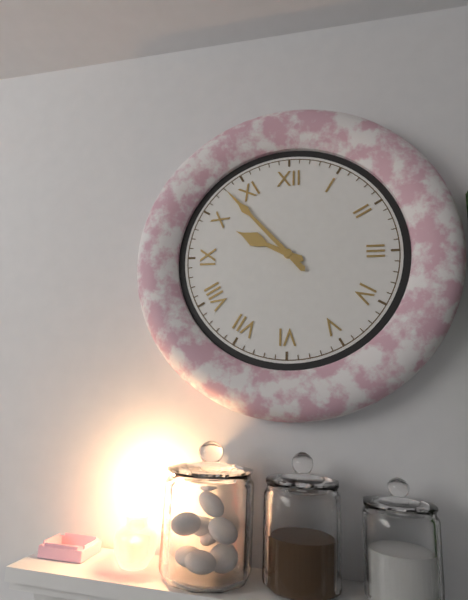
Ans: {"hour": 9, "minute": 53}
